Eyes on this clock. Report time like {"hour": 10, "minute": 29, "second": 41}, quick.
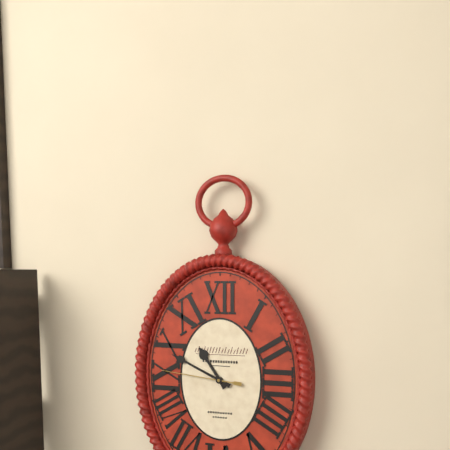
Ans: {"hour": 10, "minute": 49, "second": 46}
